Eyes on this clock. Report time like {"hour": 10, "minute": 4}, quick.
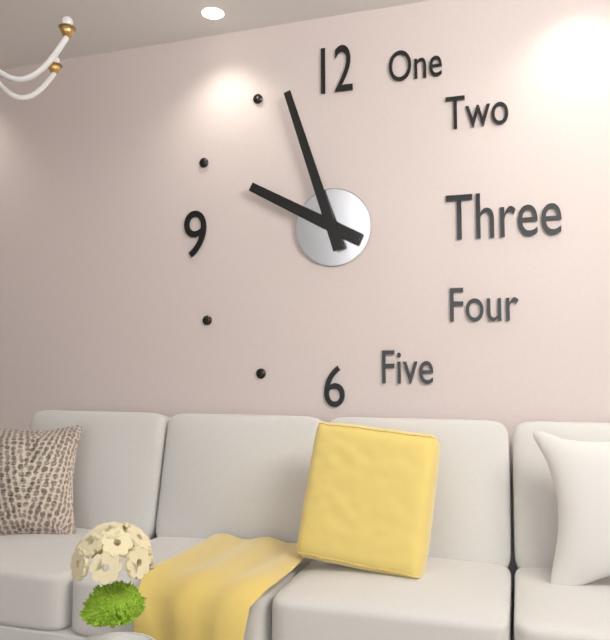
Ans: {"hour": 9, "minute": 57}
